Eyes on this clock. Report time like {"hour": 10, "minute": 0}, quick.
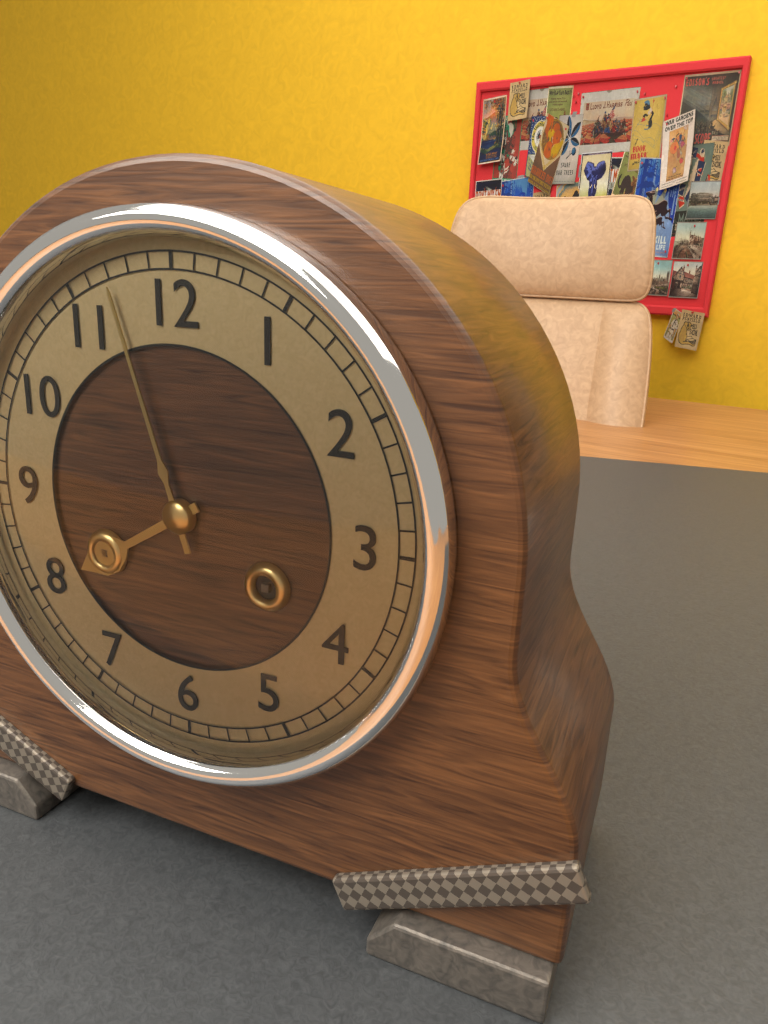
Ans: {"hour": 7, "minute": 57}
